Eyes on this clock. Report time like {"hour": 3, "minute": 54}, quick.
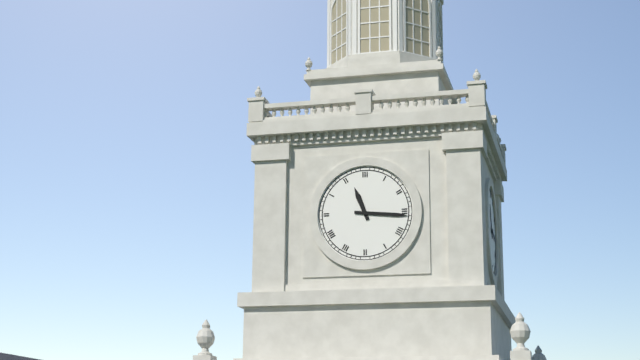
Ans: {"hour": 11, "minute": 16}
